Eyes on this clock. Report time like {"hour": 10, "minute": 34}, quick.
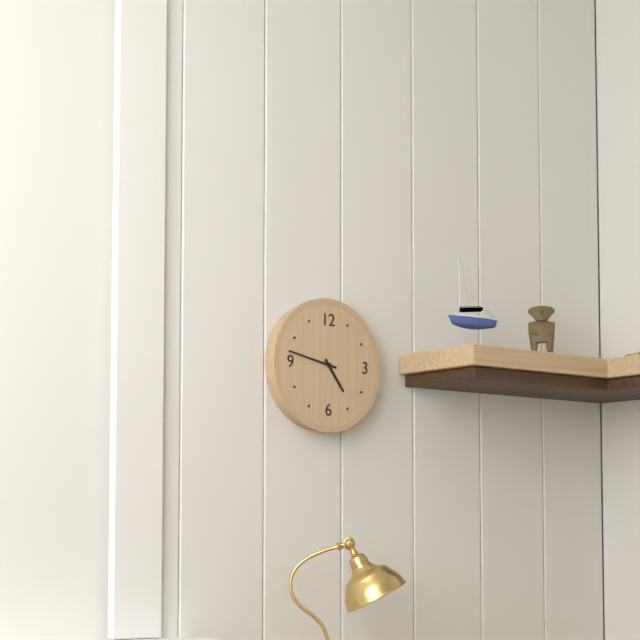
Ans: {"hour": 4, "minute": 47}
